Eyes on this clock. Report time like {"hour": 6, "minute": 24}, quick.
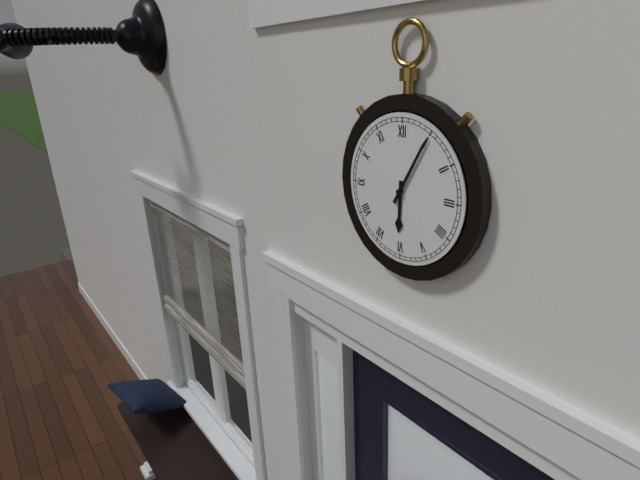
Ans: {"hour": 6, "minute": 5}
